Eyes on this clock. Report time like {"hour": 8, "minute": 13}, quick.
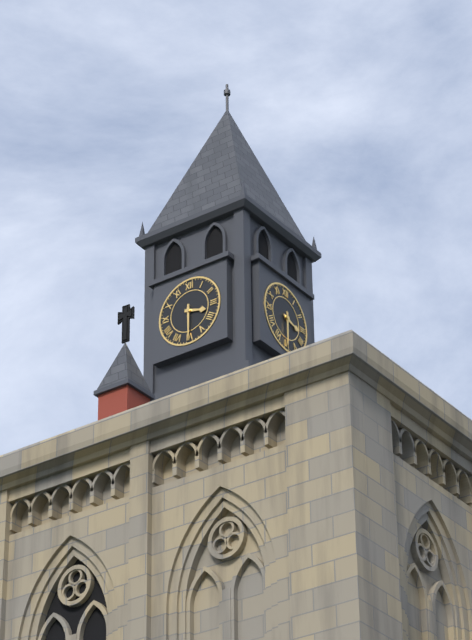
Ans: {"hour": 3, "minute": 30}
